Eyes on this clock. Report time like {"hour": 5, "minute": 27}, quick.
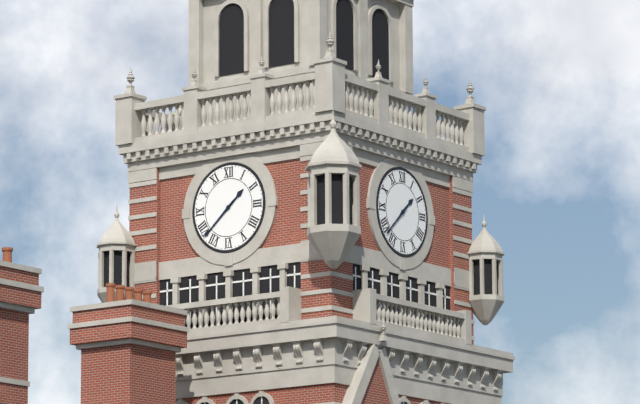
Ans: {"hour": 1, "minute": 38}
